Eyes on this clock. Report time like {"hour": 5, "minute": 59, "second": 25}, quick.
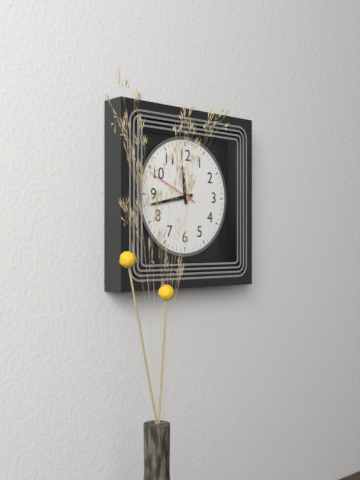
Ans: {"hour": 11, "minute": 43, "second": 49}
